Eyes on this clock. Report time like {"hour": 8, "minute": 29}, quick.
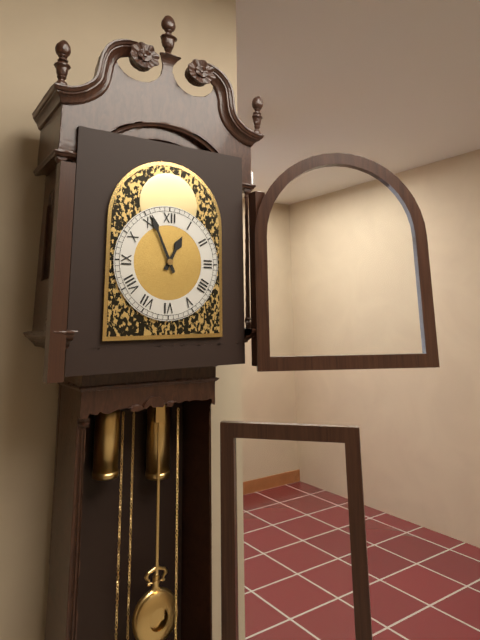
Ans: {"hour": 12, "minute": 56}
